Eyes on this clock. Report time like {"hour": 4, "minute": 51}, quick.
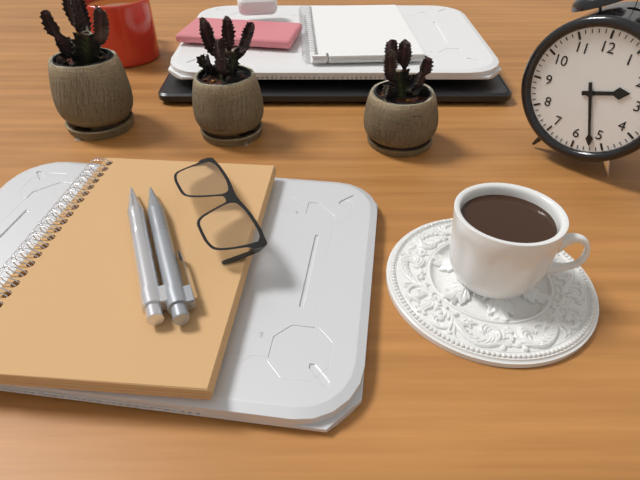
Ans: {"hour": 2, "minute": 27}
